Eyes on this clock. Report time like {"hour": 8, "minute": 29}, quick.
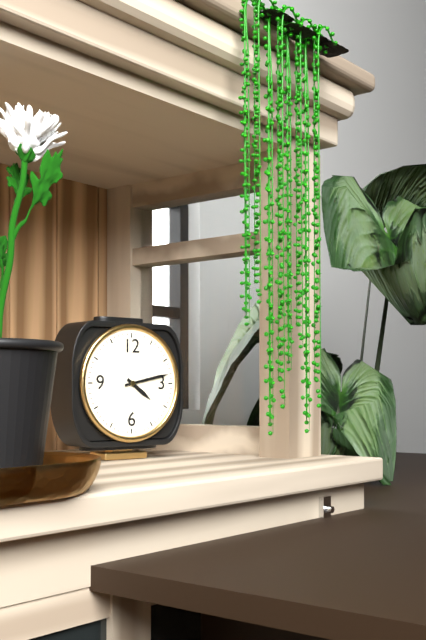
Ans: {"hour": 4, "minute": 13}
